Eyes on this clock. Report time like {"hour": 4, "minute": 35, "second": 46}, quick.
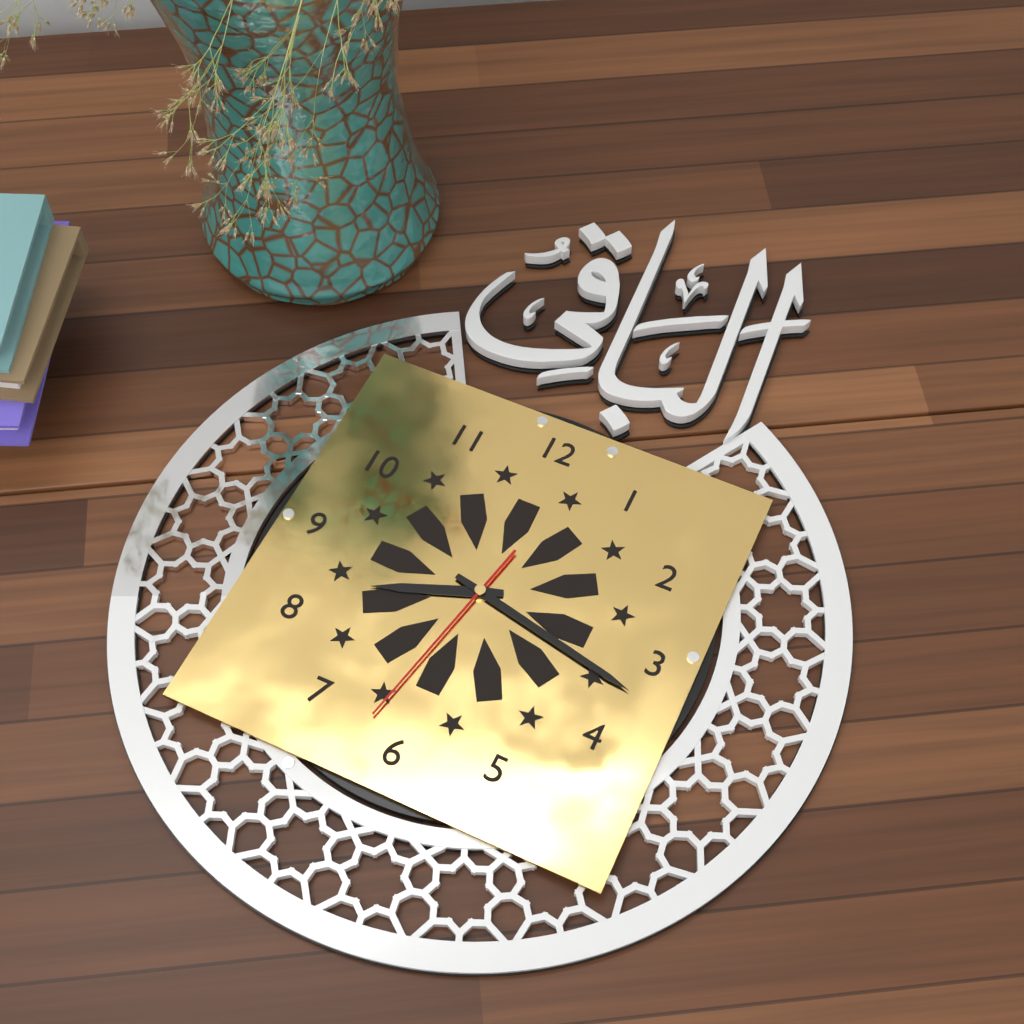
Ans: {"hour": 8, "minute": 17, "second": 32}
